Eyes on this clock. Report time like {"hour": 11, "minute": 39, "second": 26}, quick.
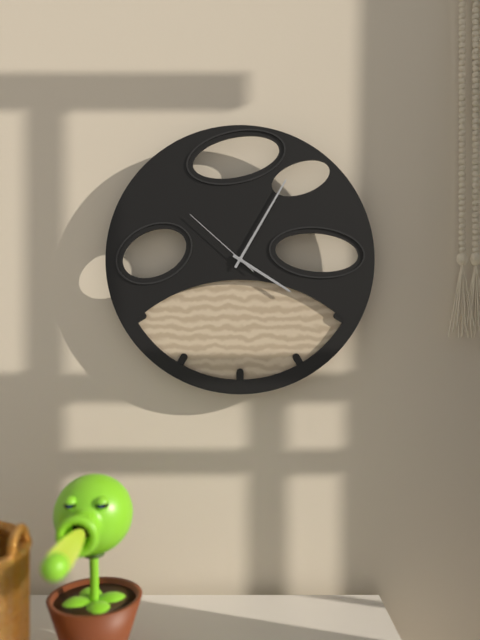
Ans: {"hour": 4, "minute": 5, "second": 52}
